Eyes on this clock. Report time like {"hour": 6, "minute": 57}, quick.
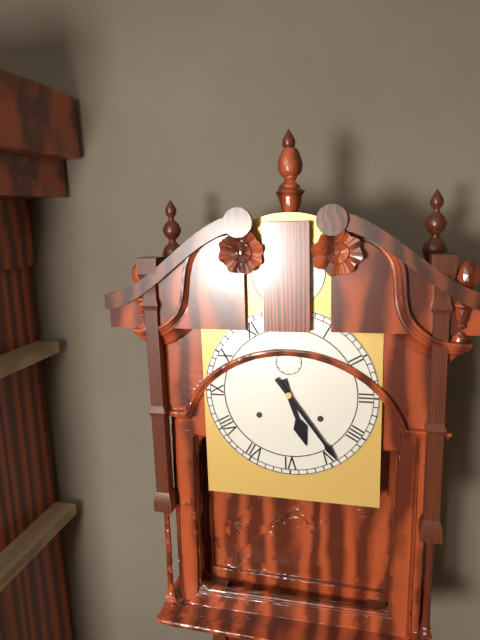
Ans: {"hour": 5, "minute": 24}
